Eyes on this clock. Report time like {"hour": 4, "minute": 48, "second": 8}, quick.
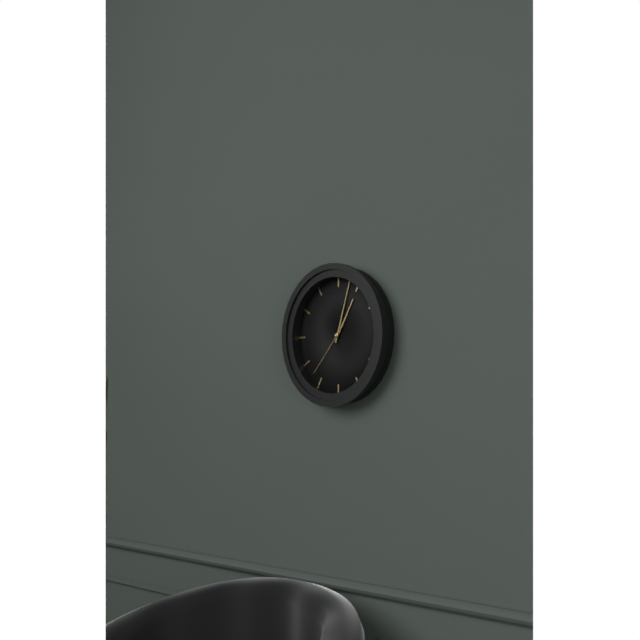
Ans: {"hour": 1, "minute": 3, "second": 37}
